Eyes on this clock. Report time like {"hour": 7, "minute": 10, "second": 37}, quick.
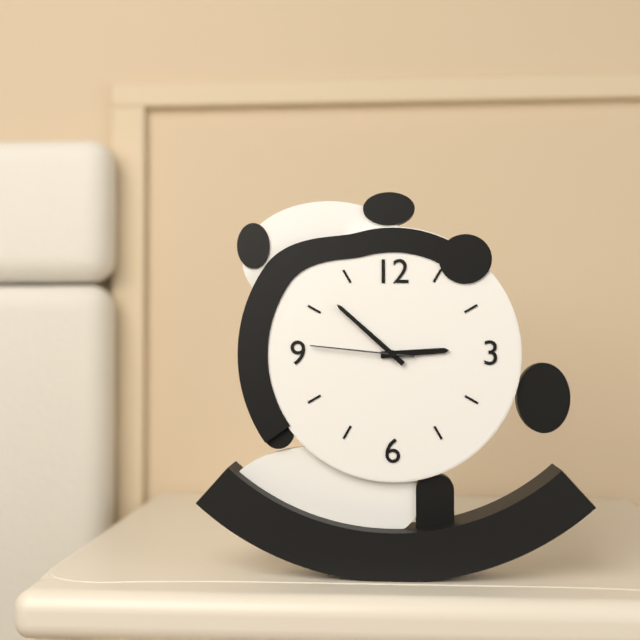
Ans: {"hour": 2, "minute": 52, "second": 46}
